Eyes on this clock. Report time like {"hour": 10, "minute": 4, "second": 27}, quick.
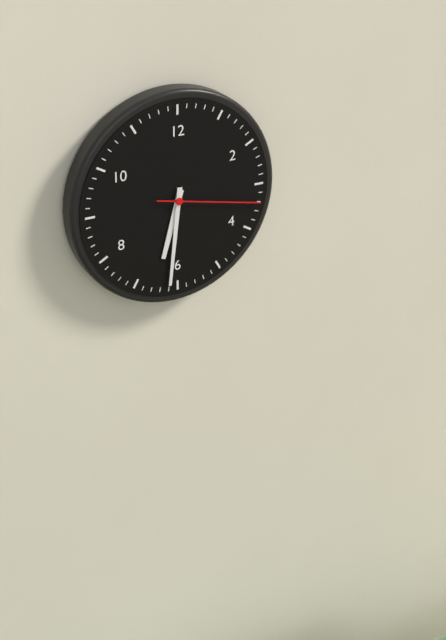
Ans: {"hour": 6, "minute": 31, "second": 17}
